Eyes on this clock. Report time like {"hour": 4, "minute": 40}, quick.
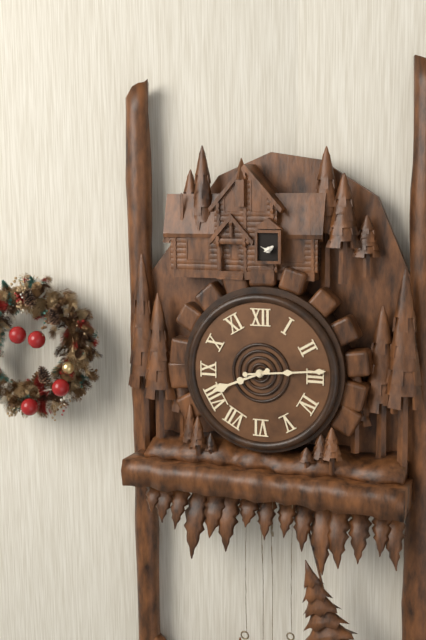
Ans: {"hour": 8, "minute": 14}
